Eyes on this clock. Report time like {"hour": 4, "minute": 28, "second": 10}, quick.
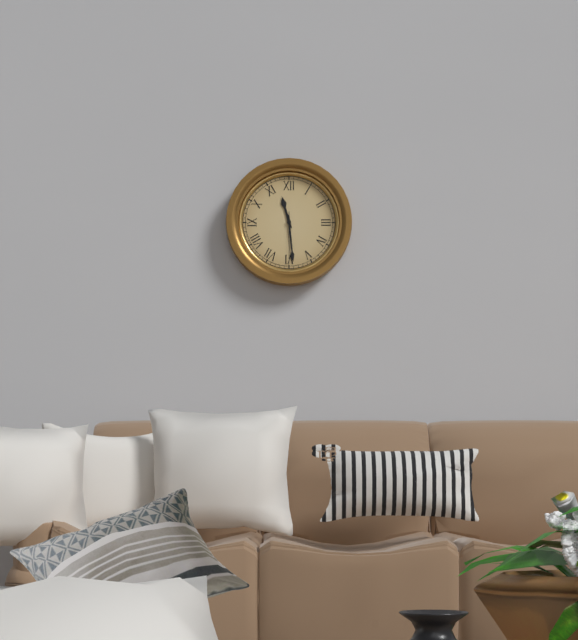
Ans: {"hour": 11, "minute": 29, "second": 30}
